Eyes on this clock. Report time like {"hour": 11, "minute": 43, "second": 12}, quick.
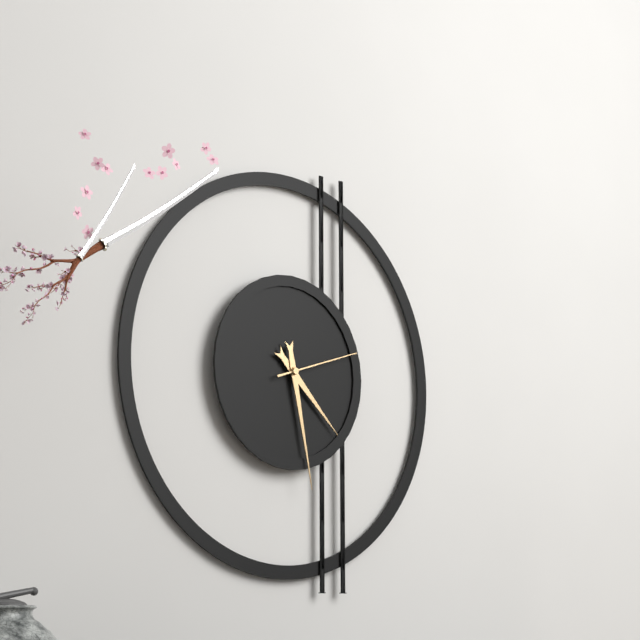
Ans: {"hour": 4, "minute": 28, "second": 12}
